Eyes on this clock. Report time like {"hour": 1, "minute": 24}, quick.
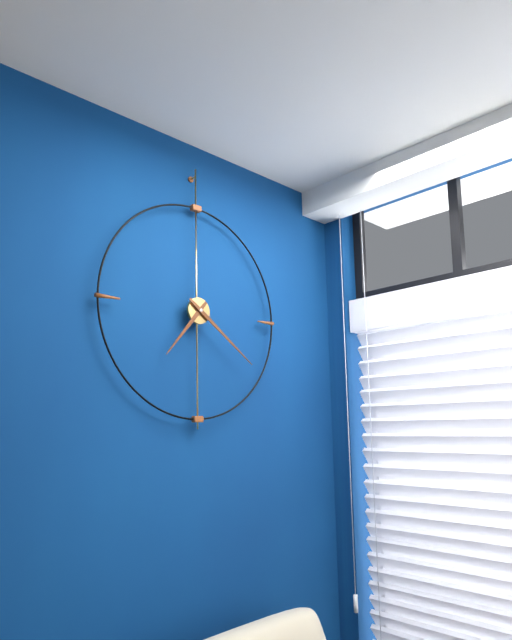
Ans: {"hour": 7, "minute": 21}
